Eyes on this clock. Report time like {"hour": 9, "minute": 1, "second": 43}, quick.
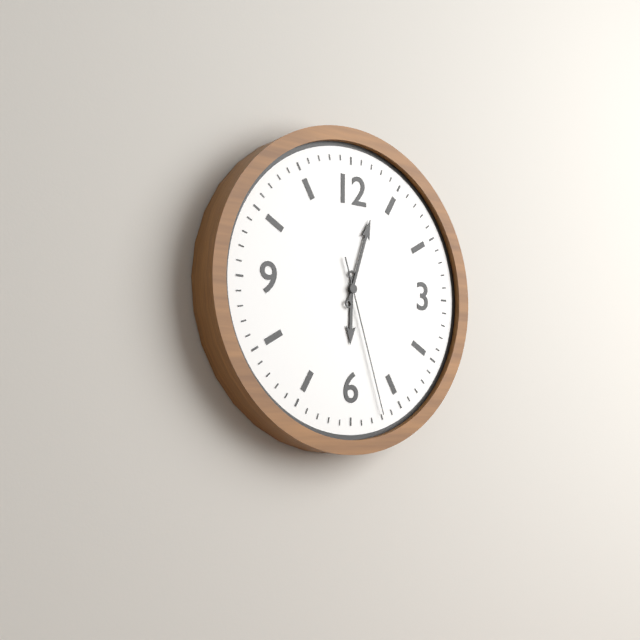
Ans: {"hour": 6, "minute": 3, "second": 27}
